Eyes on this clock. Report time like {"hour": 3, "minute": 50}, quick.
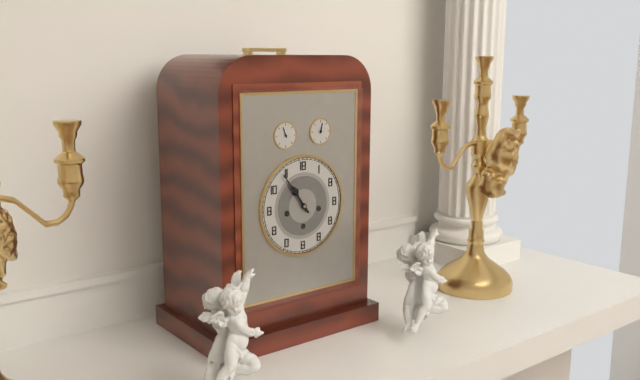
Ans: {"hour": 10, "minute": 54}
